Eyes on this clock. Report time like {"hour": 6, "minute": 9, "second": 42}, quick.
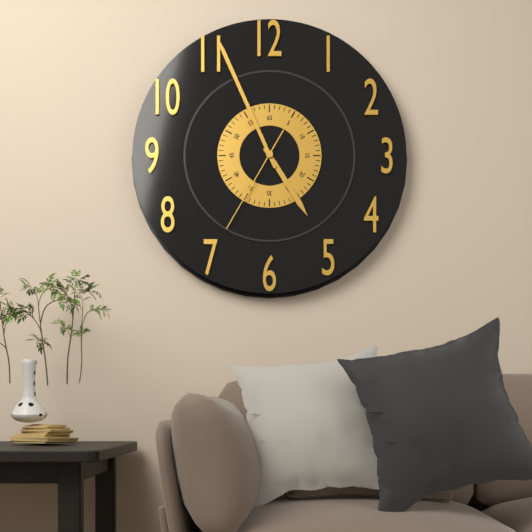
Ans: {"hour": 4, "minute": 56, "second": 35}
